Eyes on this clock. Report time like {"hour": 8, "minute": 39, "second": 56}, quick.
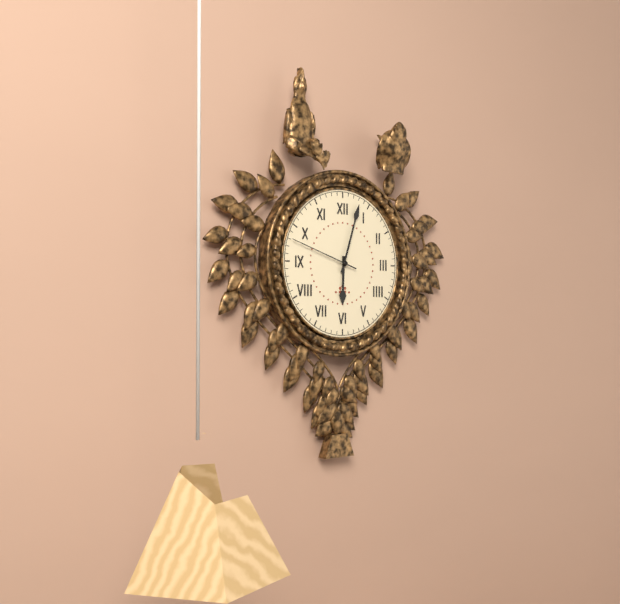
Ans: {"hour": 6, "minute": 3, "second": 48}
